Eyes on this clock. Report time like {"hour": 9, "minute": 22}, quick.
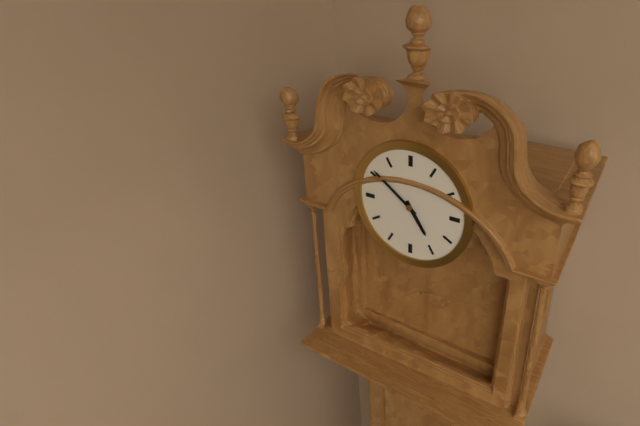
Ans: {"hour": 4, "minute": 51}
